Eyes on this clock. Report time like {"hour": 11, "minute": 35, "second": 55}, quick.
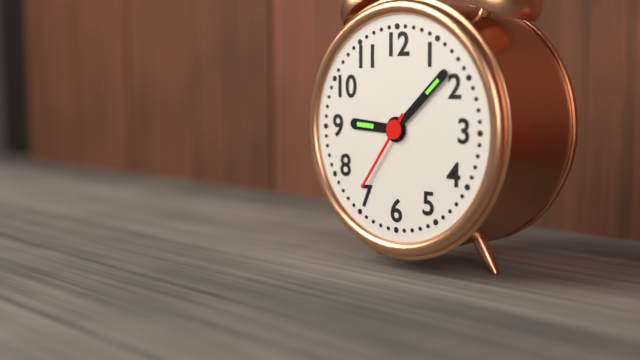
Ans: {"hour": 9, "minute": 8, "second": 36}
